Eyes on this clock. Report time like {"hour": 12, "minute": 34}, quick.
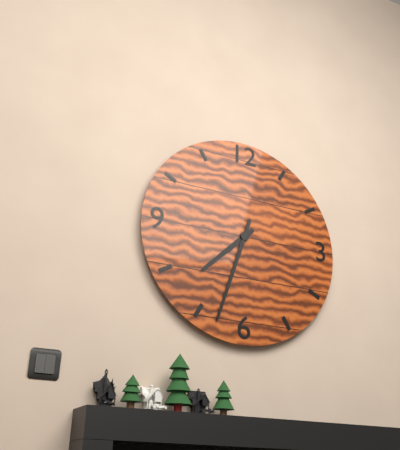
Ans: {"hour": 7, "minute": 33}
